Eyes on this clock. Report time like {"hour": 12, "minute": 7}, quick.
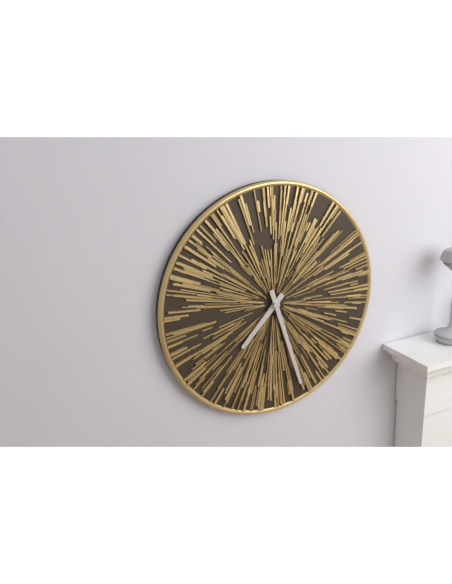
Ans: {"hour": 7, "minute": 27}
